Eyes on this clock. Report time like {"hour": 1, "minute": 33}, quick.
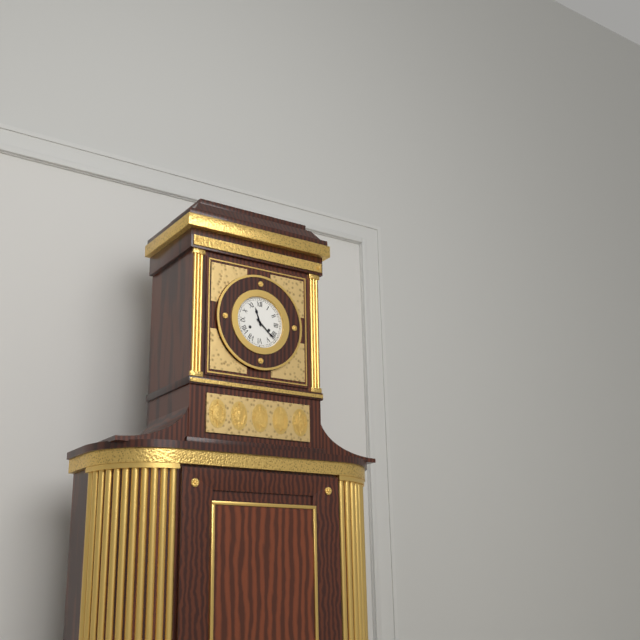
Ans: {"hour": 11, "minute": 22}
